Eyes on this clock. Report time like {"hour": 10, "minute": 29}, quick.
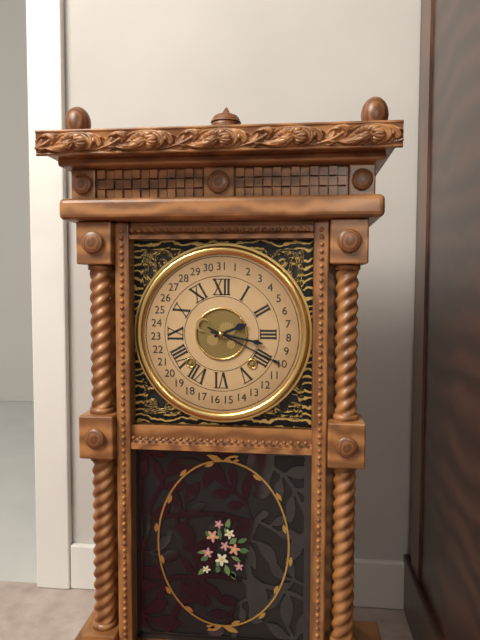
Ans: {"hour": 2, "minute": 17}
